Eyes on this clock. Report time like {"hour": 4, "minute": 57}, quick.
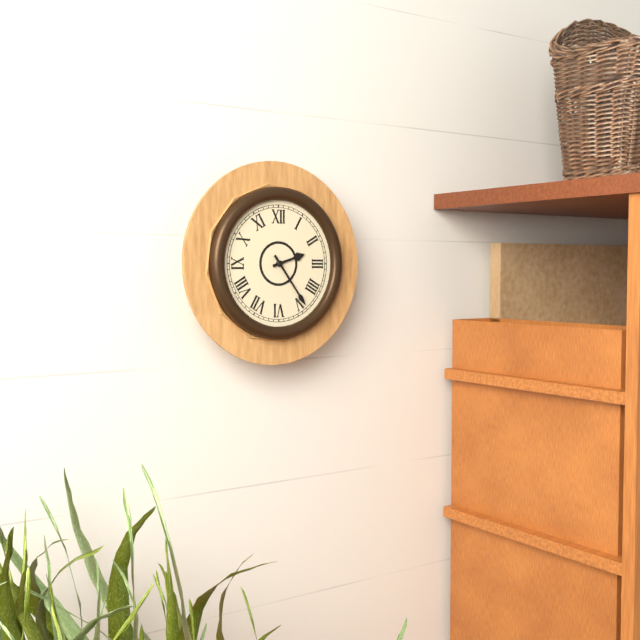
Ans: {"hour": 2, "minute": 24}
